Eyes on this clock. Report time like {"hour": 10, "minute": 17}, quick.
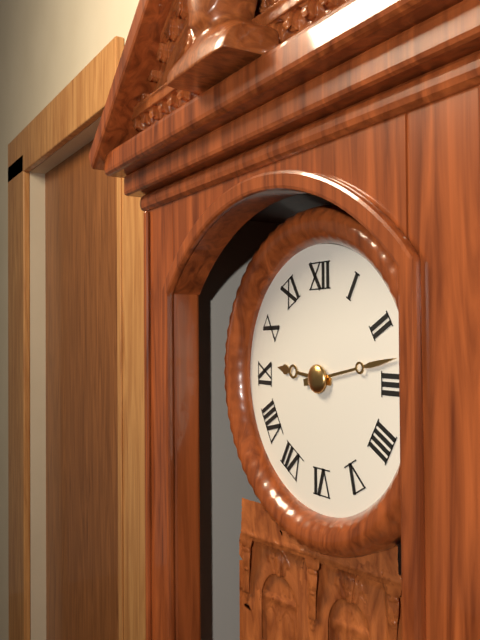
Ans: {"hour": 9, "minute": 13}
